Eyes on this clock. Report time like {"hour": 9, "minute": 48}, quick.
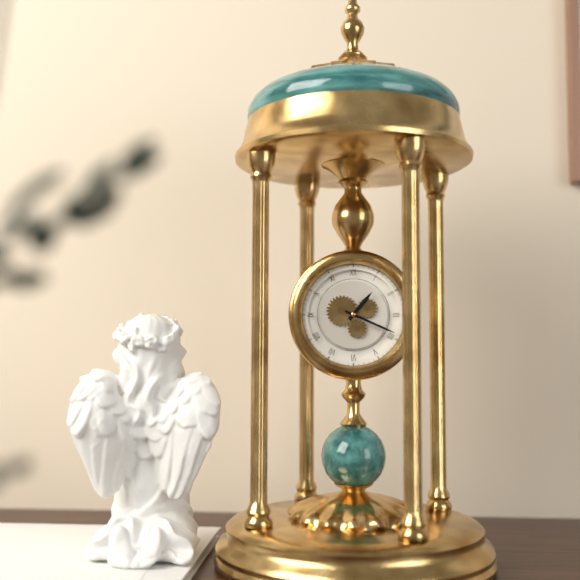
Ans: {"hour": 1, "minute": 19}
